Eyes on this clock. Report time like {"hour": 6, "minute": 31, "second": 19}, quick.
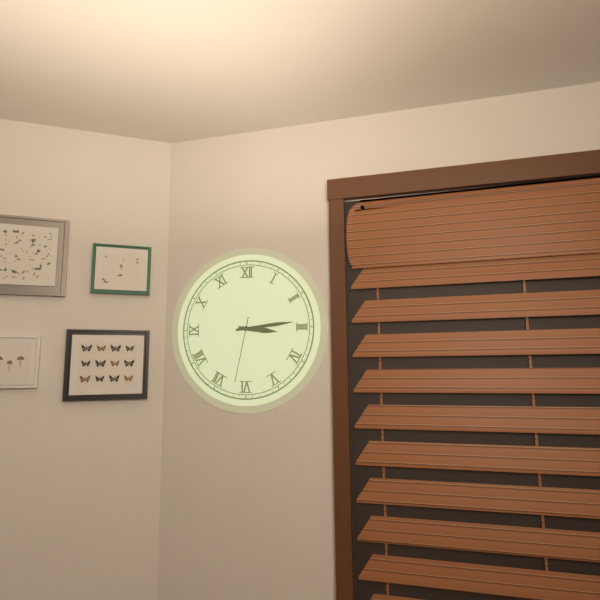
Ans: {"hour": 3, "minute": 14, "second": 32}
